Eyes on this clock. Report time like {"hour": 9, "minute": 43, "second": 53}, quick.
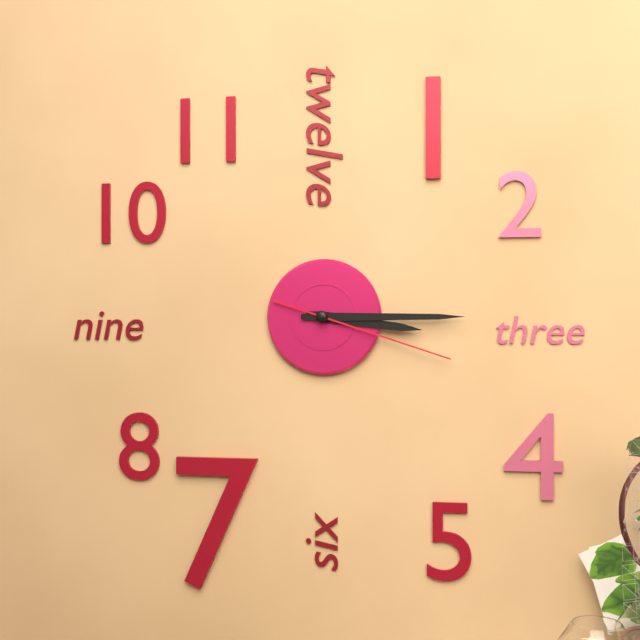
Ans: {"hour": 3, "minute": 15, "second": 18}
